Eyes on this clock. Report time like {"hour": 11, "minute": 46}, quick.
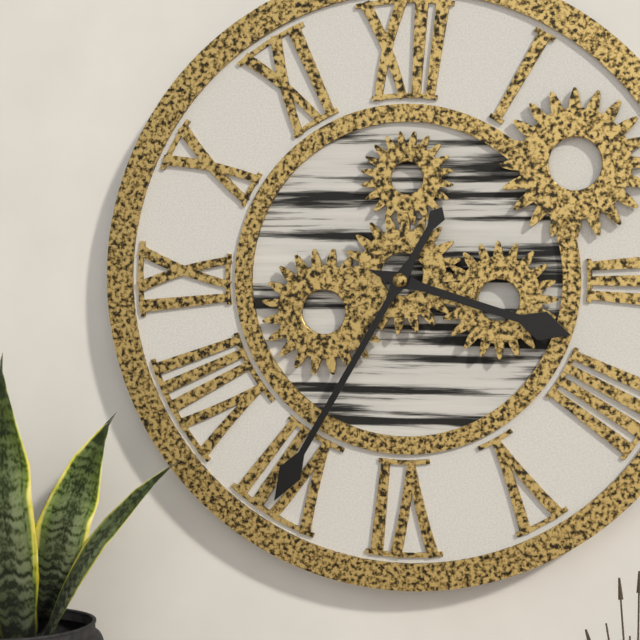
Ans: {"hour": 3, "minute": 35}
